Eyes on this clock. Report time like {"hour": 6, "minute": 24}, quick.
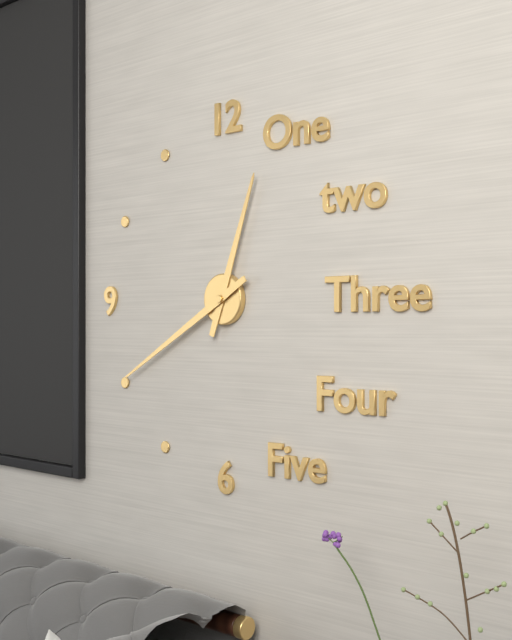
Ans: {"hour": 12, "minute": 40}
